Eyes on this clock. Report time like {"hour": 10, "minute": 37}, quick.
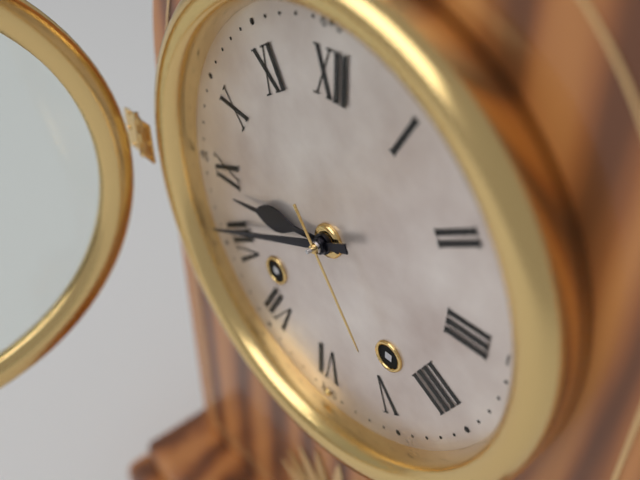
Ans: {"hour": 8, "minute": 41}
